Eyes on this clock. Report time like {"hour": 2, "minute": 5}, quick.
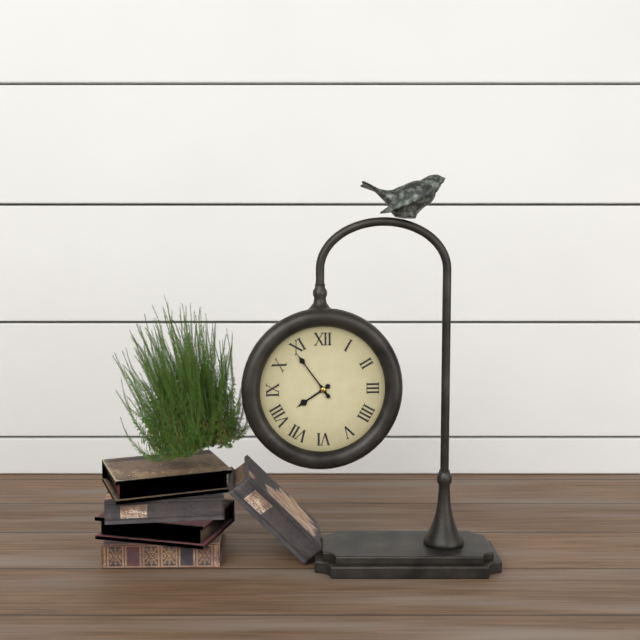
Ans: {"hour": 7, "minute": 54}
